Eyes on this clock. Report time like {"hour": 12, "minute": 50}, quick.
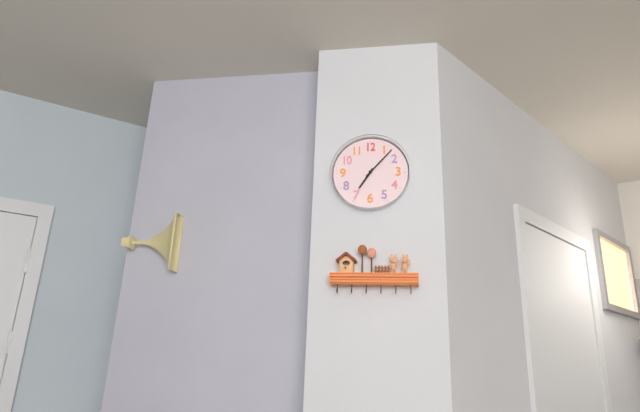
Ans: {"hour": 7, "minute": 7}
